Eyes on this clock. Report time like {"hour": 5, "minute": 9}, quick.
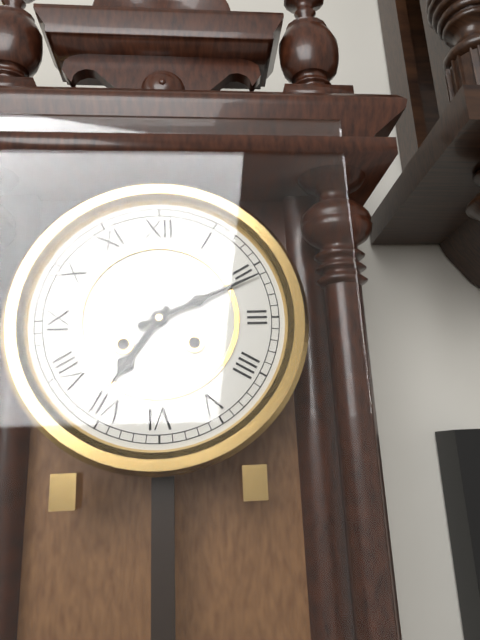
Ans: {"hour": 7, "minute": 11}
